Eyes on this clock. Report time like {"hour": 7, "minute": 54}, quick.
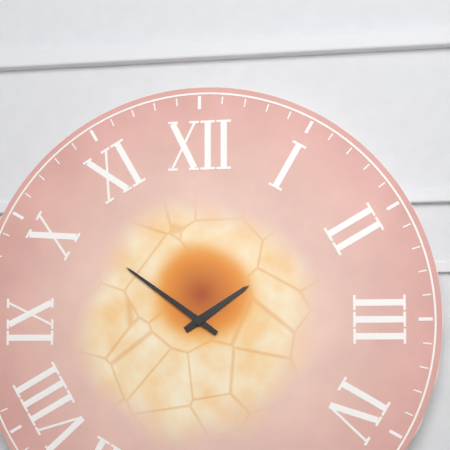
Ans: {"hour": 1, "minute": 51}
